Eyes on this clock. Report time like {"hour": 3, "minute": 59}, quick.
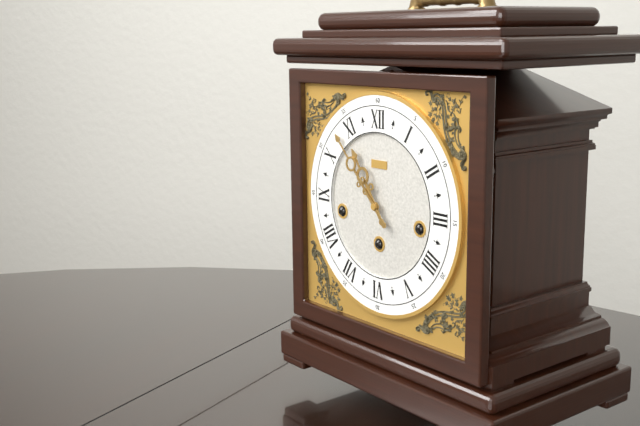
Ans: {"hour": 10, "minute": 53}
